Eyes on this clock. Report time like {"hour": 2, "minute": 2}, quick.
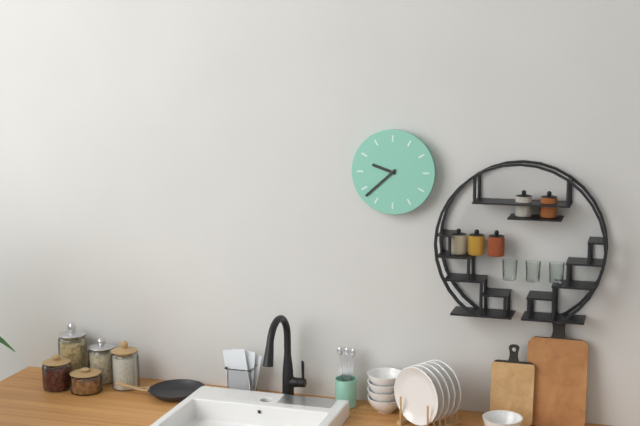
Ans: {"hour": 9, "minute": 38}
